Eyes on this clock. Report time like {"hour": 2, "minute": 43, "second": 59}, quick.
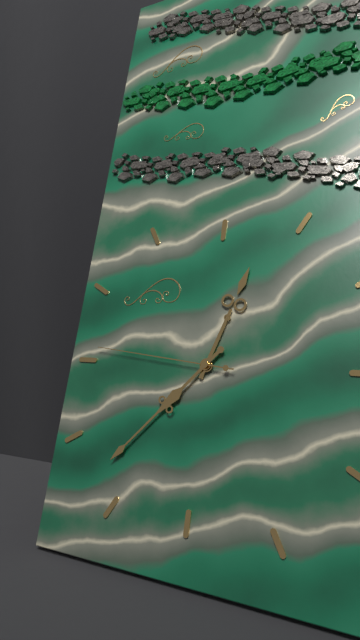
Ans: {"hour": 12, "minute": 37, "second": 46}
